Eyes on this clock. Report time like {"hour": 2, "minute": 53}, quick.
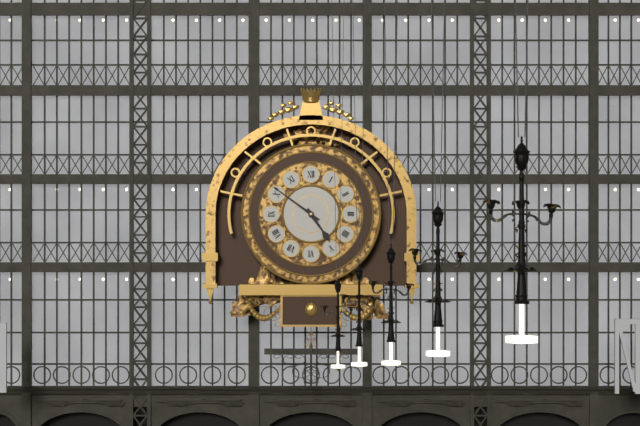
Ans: {"hour": 4, "minute": 51}
